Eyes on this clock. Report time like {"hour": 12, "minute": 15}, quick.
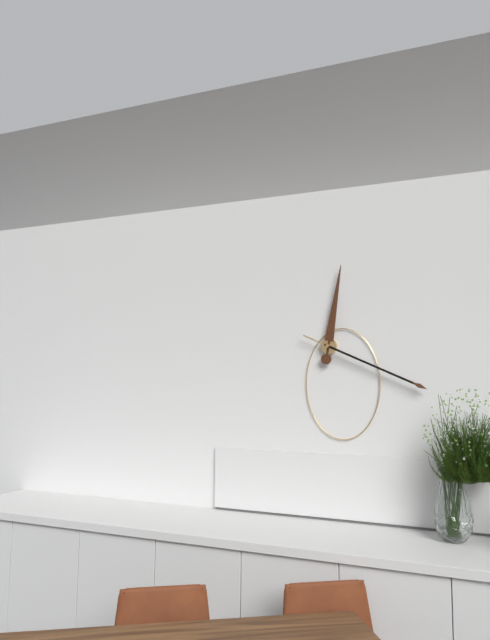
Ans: {"hour": 12, "minute": 19}
